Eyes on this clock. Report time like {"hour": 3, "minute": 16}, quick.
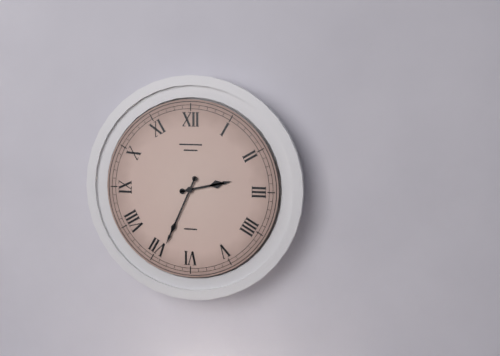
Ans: {"hour": 2, "minute": 34}
